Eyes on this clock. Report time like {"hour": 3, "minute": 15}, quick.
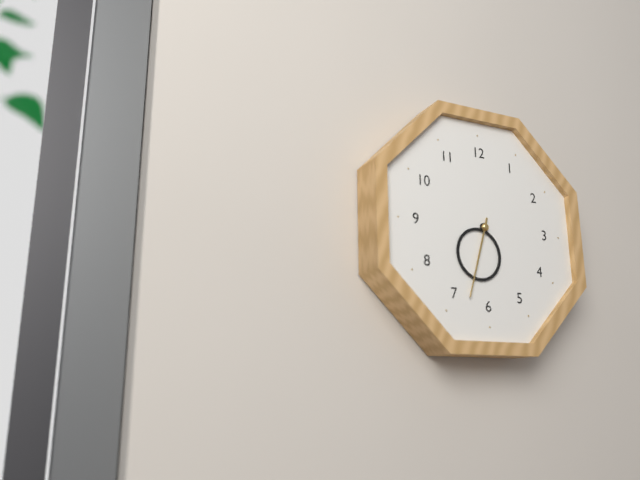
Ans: {"hour": 6, "minute": 33}
